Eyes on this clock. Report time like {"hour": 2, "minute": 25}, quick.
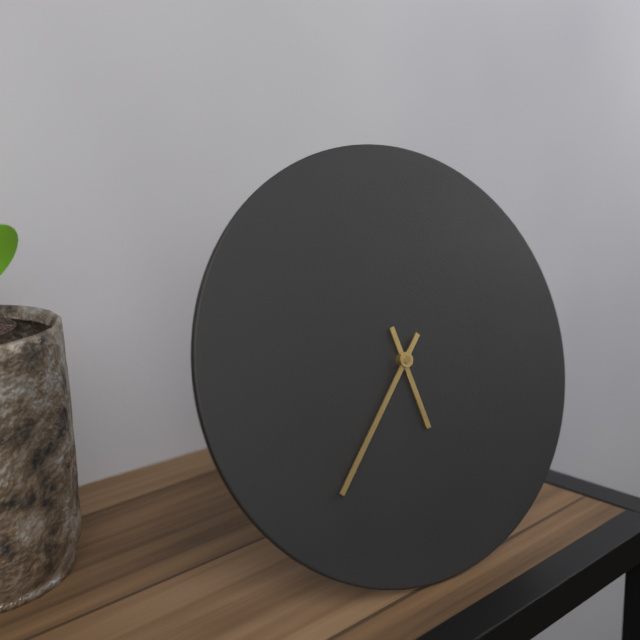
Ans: {"hour": 5, "minute": 37}
